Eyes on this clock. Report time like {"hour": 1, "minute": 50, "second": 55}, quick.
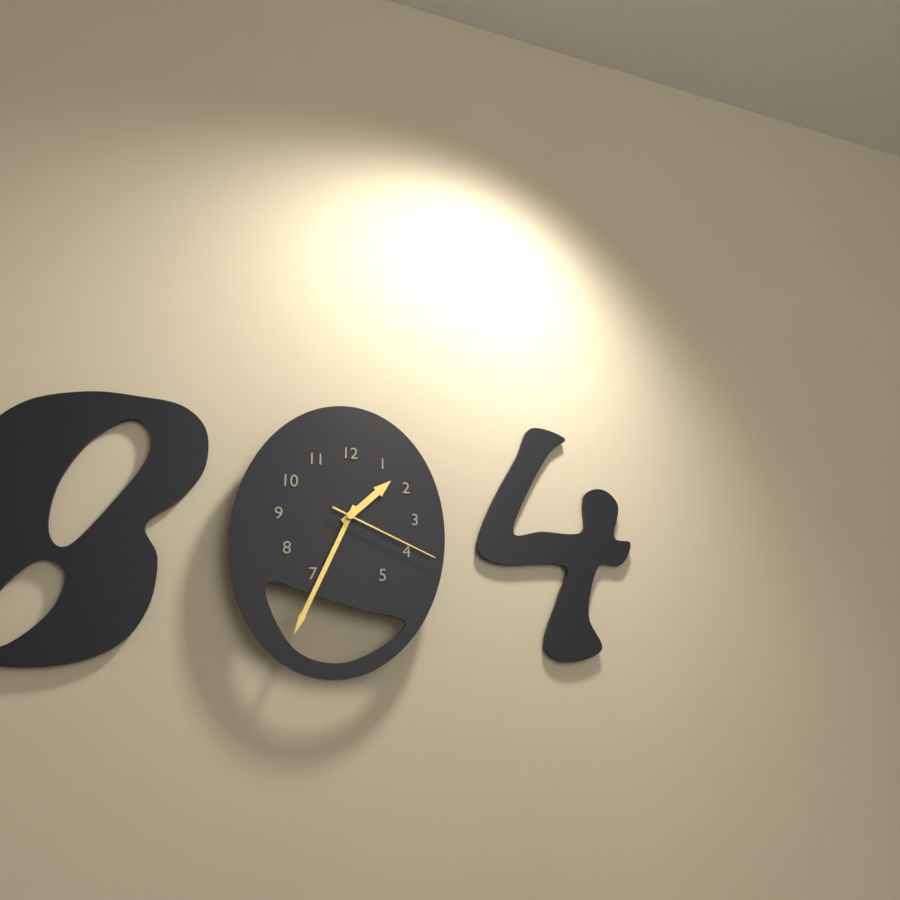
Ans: {"hour": 1, "minute": 34, "second": 19}
